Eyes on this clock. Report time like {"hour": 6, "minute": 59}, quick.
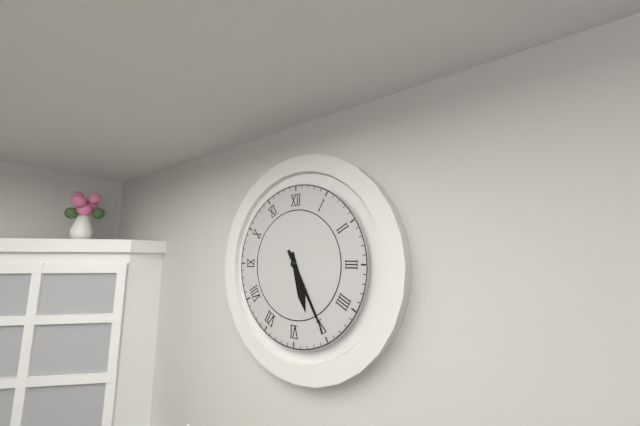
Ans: {"hour": 5, "minute": 25}
